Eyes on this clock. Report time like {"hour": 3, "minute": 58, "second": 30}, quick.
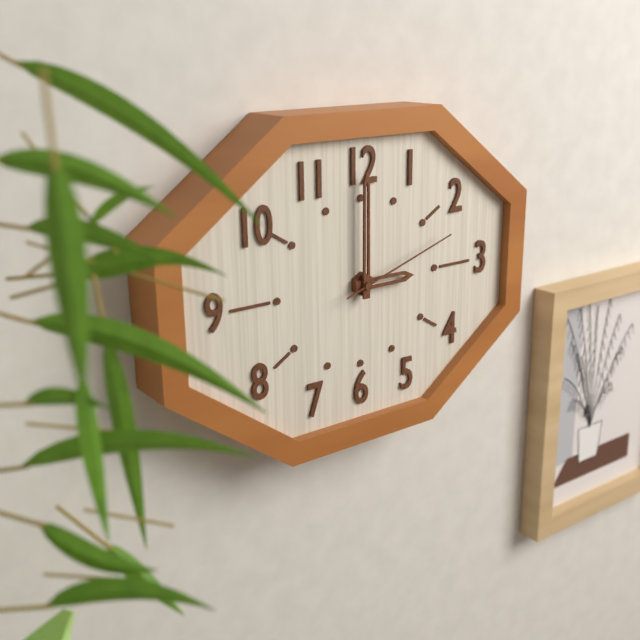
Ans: {"hour": 3, "minute": 0, "second": 12}
